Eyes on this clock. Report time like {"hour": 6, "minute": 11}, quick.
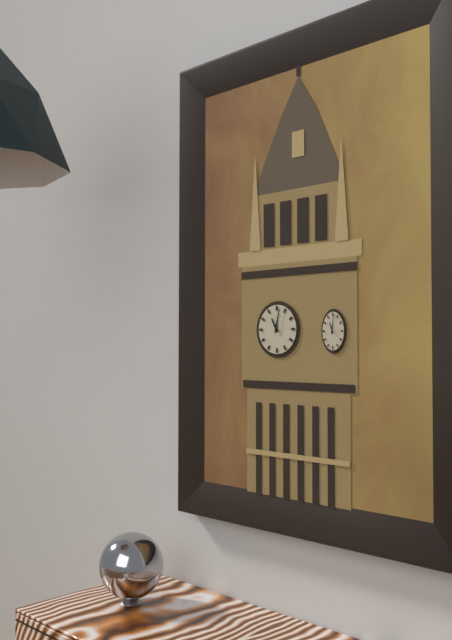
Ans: {"hour": 11, "minute": 2}
